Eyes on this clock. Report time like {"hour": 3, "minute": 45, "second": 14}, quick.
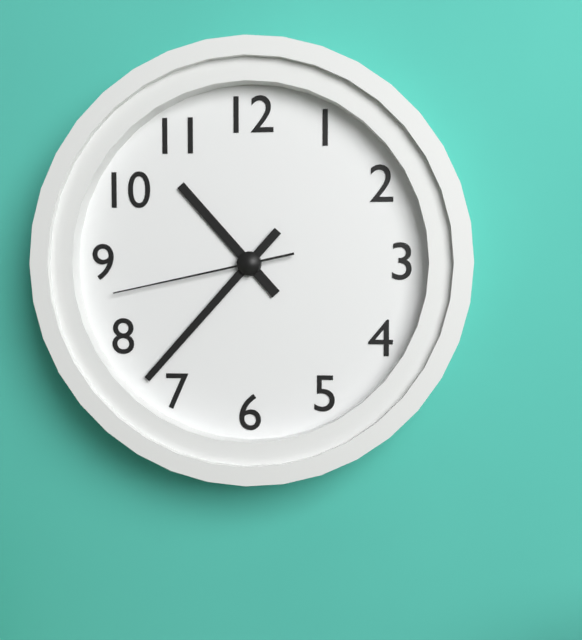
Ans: {"hour": 10, "minute": 37, "second": 43}
